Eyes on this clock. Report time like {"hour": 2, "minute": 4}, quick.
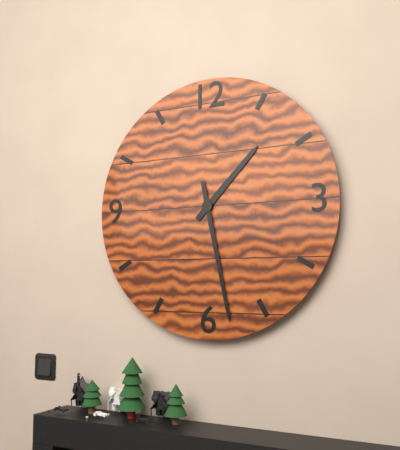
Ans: {"hour": 1, "minute": 28}
